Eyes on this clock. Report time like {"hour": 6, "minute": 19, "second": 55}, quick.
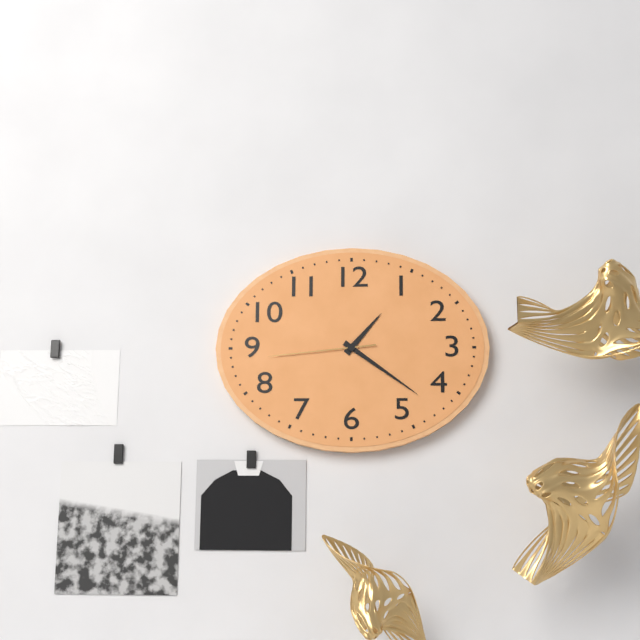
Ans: {"hour": 1, "minute": 21, "second": 44}
